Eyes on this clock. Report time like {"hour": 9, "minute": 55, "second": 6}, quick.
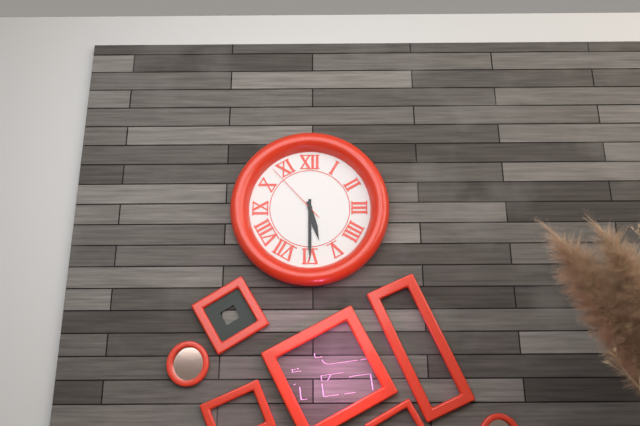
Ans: {"hour": 5, "minute": 30, "second": 53}
